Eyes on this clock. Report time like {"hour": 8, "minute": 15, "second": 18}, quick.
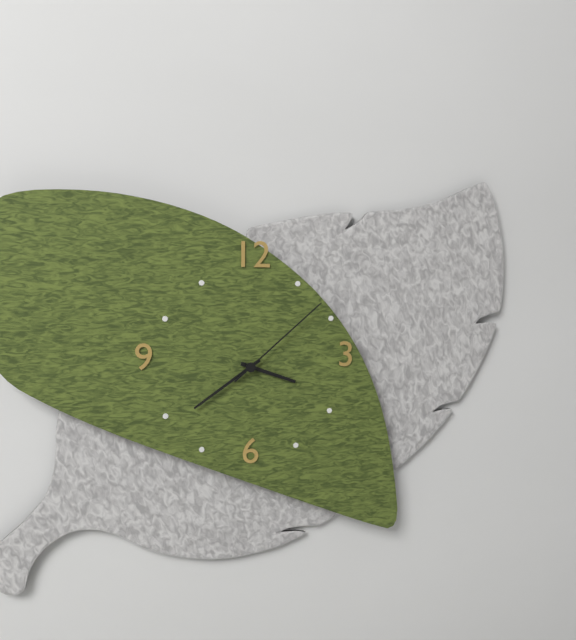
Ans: {"hour": 3, "minute": 39, "second": 8}
